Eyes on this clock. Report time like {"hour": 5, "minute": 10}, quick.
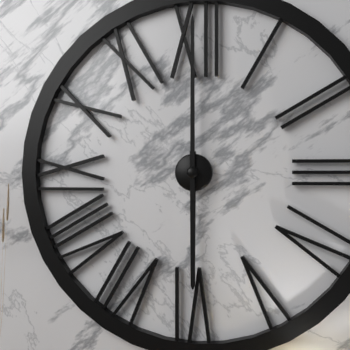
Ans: {"hour": 6, "minute": 0}
